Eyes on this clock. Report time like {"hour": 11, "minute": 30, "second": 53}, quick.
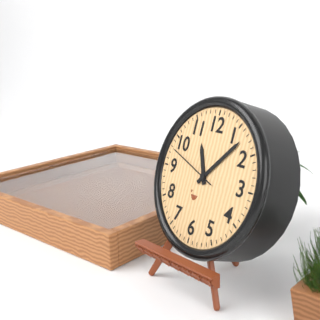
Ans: {"hour": 11, "minute": 7, "second": 48}
